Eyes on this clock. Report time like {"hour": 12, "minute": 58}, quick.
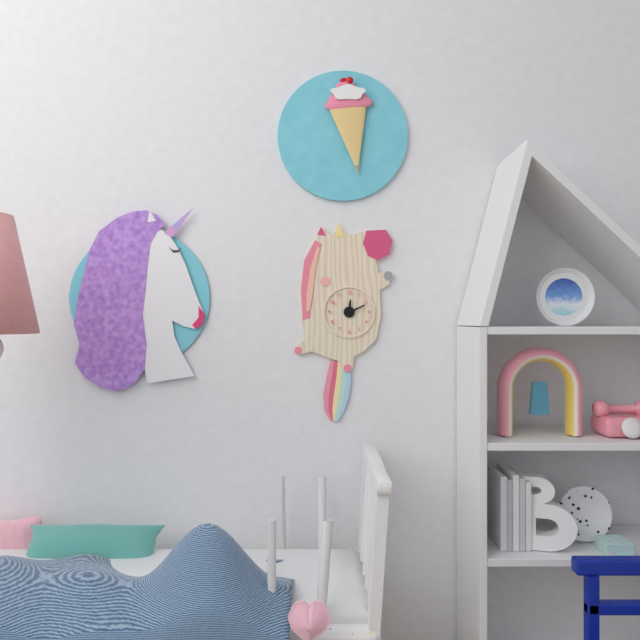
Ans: {"hour": 12, "minute": 11}
